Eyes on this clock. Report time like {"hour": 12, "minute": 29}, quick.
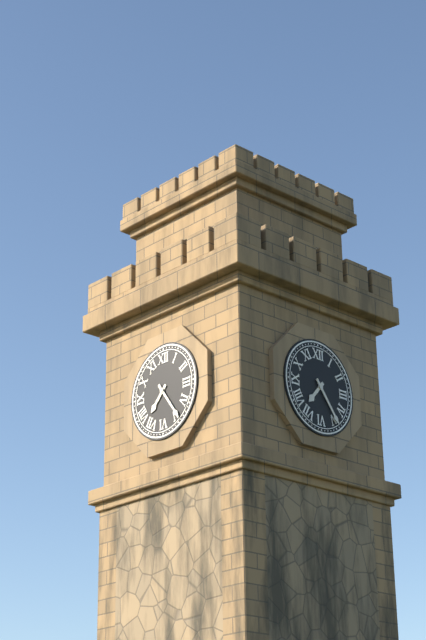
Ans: {"hour": 7, "minute": 24}
